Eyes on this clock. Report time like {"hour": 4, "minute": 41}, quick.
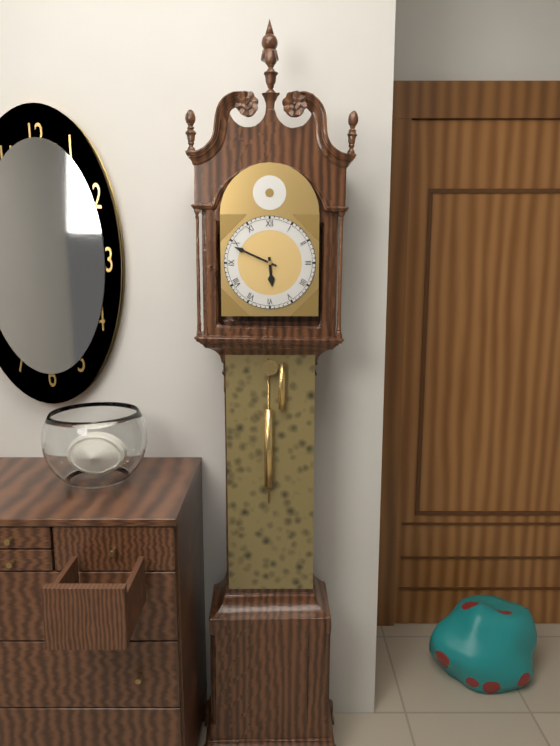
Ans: {"hour": 5, "minute": 49}
